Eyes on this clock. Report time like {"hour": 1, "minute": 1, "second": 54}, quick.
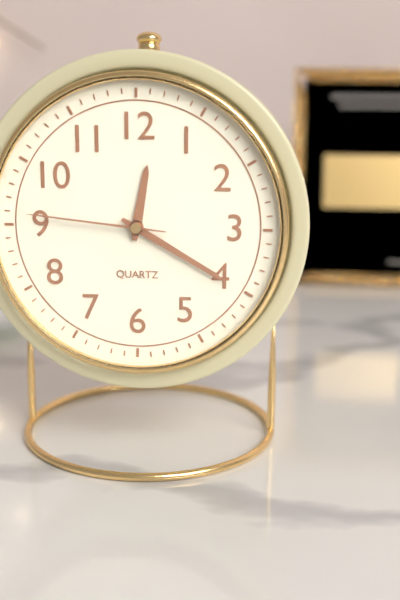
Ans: {"hour": 12, "minute": 20, "second": 46}
